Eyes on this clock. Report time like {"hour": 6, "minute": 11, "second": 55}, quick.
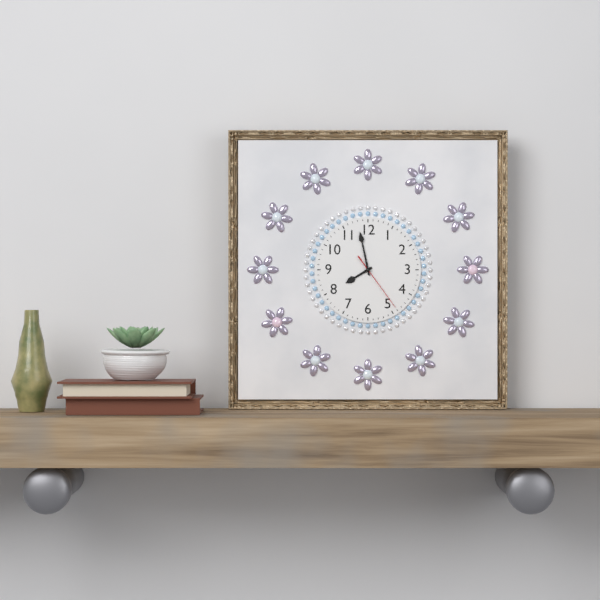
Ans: {"hour": 7, "minute": 58, "second": 24}
